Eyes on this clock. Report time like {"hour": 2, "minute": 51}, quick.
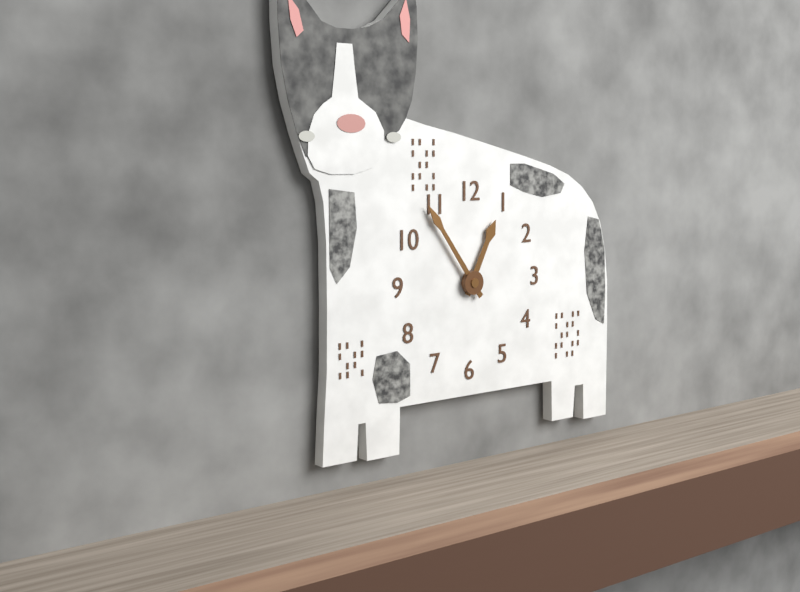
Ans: {"hour": 12, "minute": 54}
